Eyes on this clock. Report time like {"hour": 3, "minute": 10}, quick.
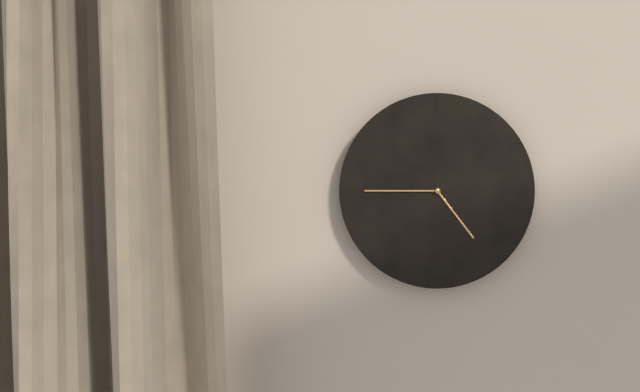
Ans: {"hour": 4, "minute": 45}
